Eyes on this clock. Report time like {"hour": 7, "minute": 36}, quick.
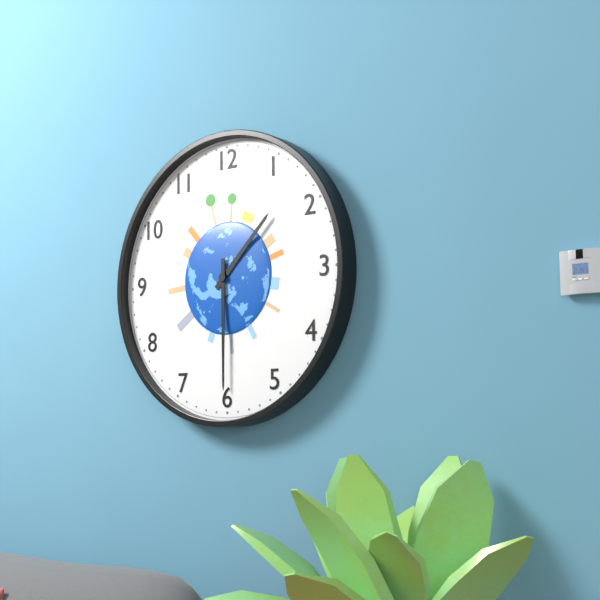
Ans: {"hour": 1, "minute": 30}
